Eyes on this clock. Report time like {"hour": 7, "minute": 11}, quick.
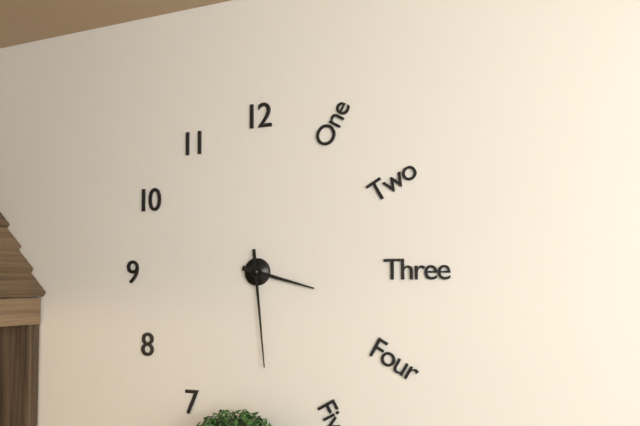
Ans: {"hour": 3, "minute": 29}
